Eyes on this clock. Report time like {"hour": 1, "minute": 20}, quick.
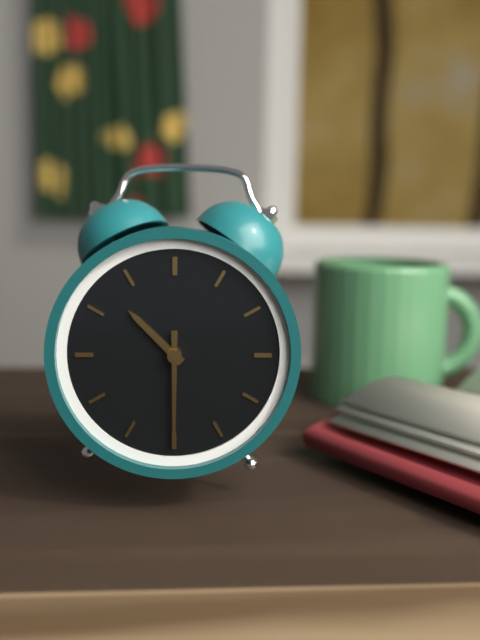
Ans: {"hour": 10, "minute": 30}
